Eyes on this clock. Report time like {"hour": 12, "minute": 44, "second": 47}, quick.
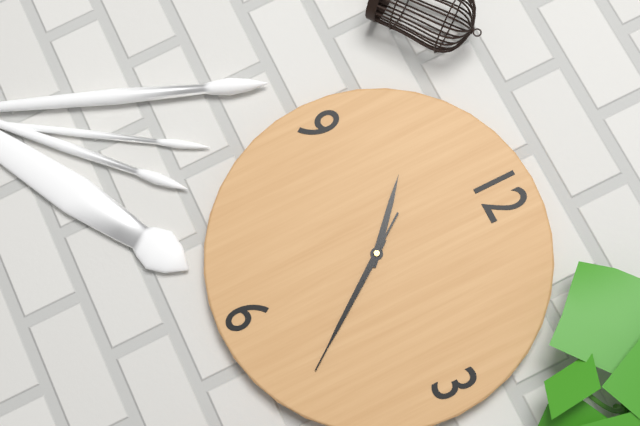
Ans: {"hour": 10, "minute": 24, "second": 24}
